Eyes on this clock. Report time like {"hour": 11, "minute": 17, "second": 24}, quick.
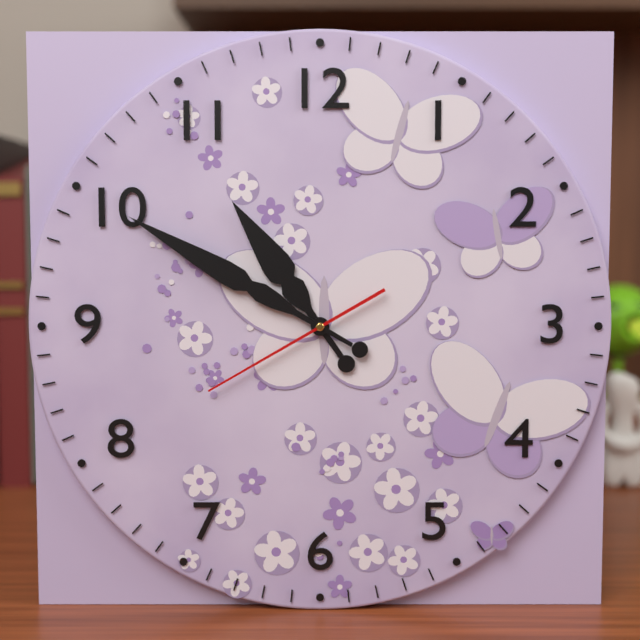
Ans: {"hour": 10, "minute": 50, "second": 40}
